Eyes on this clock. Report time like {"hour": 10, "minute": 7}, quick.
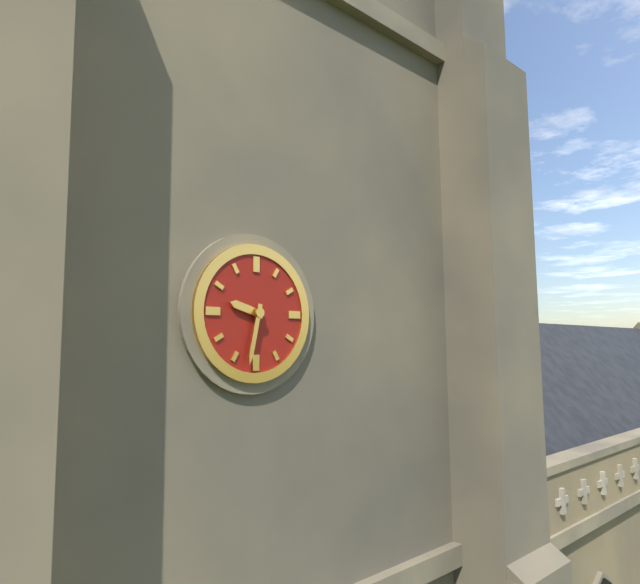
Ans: {"hour": 9, "minute": 32}
